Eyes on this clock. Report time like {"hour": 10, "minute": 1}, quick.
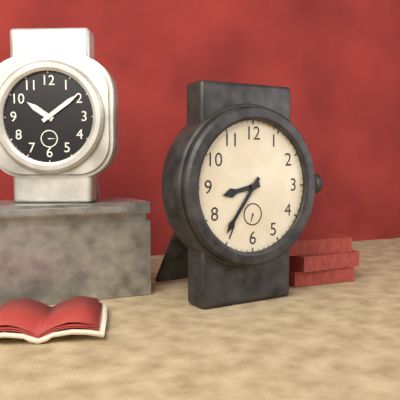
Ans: {"hour": 8, "minute": 36}
